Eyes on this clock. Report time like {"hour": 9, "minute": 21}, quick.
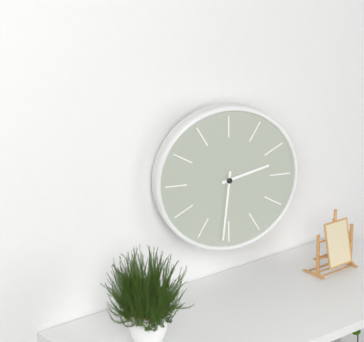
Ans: {"hour": 2, "minute": 31}
